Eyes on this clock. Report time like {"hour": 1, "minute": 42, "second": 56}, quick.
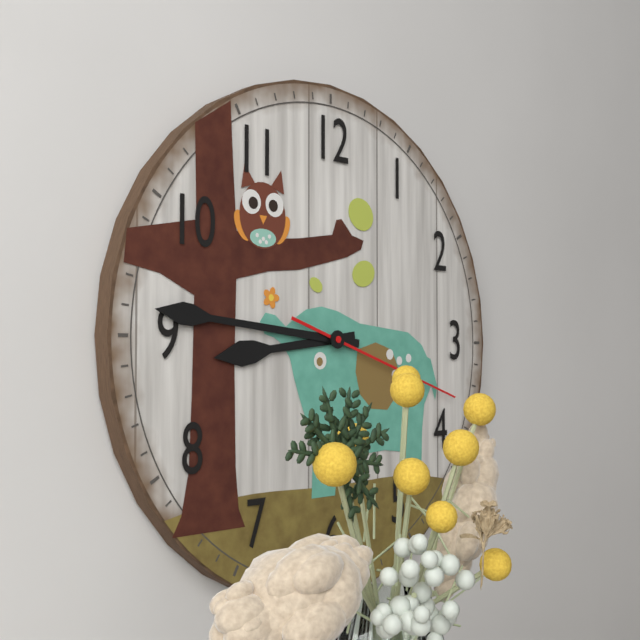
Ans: {"hour": 8, "minute": 46, "second": 18}
